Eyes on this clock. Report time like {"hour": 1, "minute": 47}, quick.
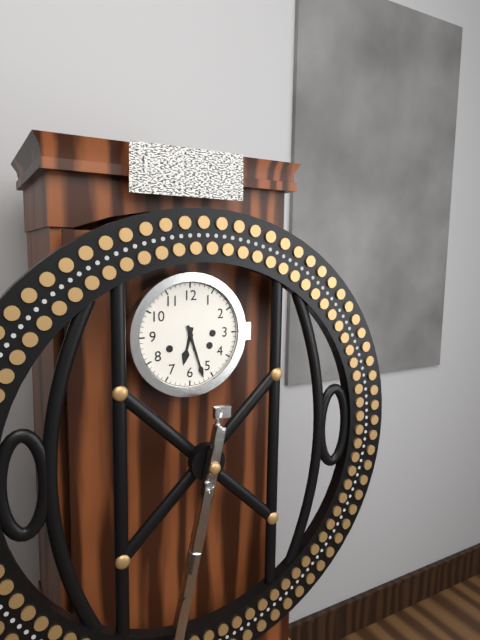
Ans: {"hour": 6, "minute": 27}
